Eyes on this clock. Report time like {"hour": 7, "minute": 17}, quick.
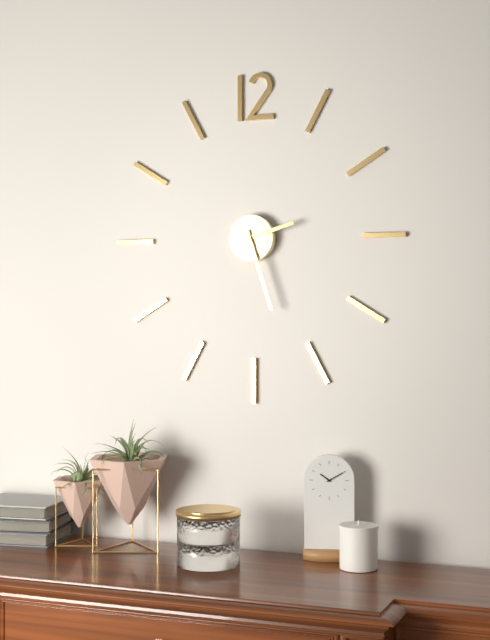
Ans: {"hour": 2, "minute": 27}
